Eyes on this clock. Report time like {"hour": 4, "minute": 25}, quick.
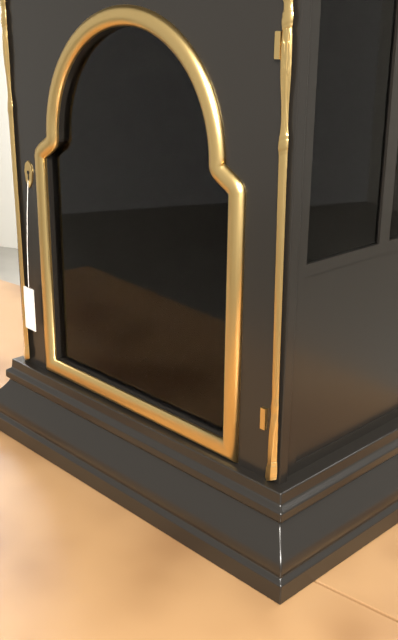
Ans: {"hour": 1, "minute": 4}
